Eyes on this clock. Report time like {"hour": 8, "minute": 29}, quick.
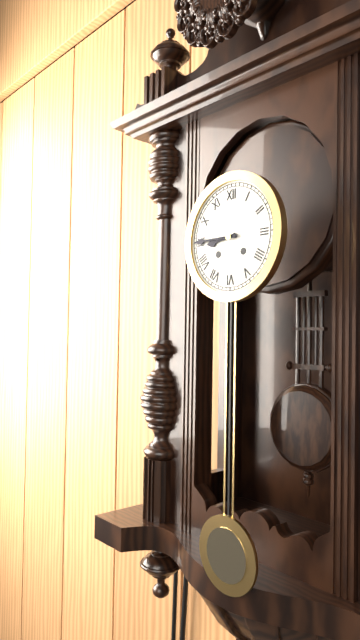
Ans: {"hour": 8, "minute": 45}
